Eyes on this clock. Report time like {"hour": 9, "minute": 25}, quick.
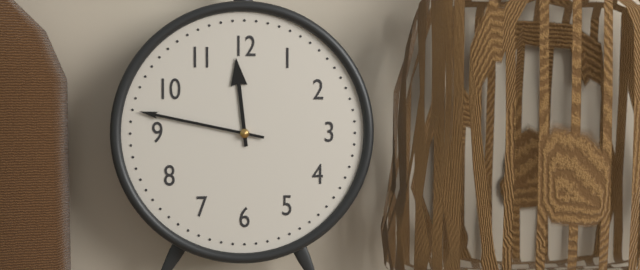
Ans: {"hour": 11, "minute": 47}
